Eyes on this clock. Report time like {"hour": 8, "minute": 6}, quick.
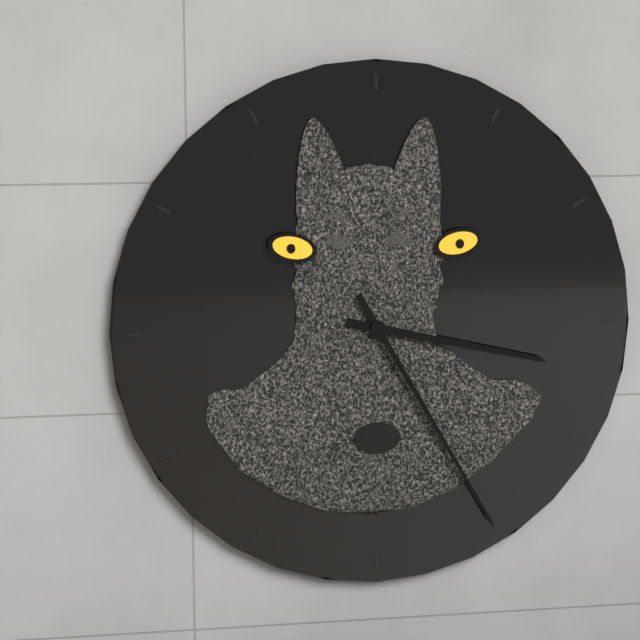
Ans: {"hour": 3, "minute": 25}
